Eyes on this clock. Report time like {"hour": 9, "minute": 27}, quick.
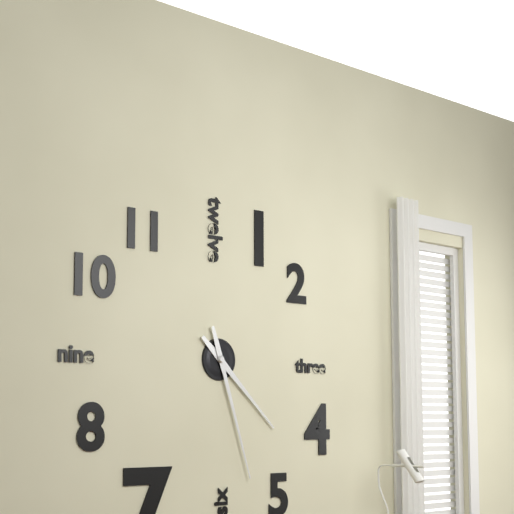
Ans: {"hour": 4, "minute": 27}
